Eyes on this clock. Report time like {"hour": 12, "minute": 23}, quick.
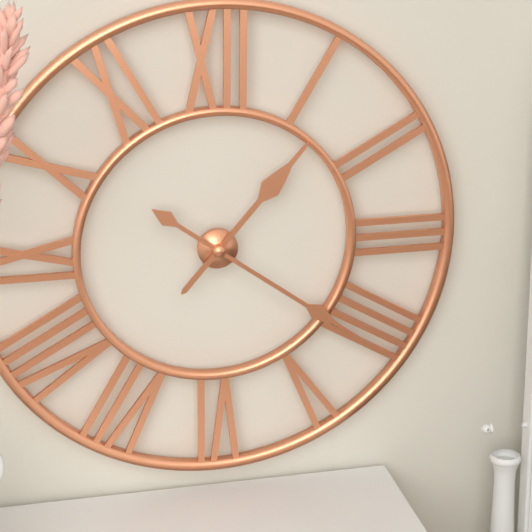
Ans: {"hour": 1, "minute": 21}
